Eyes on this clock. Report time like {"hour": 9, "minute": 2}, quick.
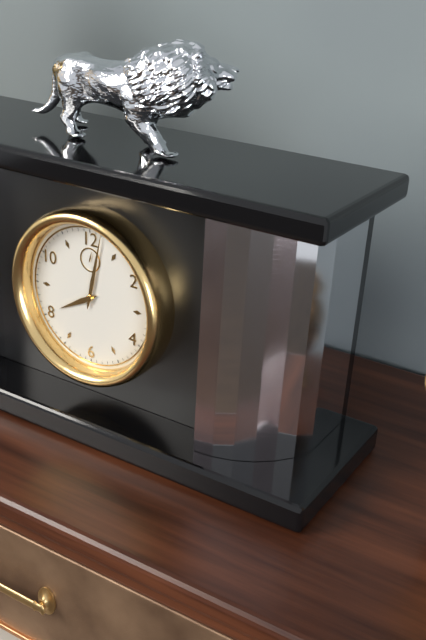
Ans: {"hour": 8, "minute": 2}
